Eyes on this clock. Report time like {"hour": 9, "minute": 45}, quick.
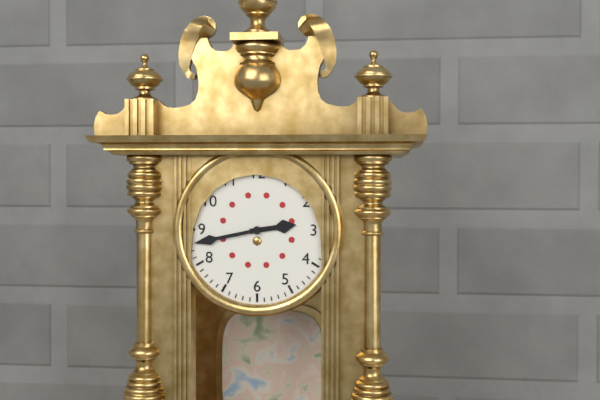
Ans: {"hour": 2, "minute": 43}
